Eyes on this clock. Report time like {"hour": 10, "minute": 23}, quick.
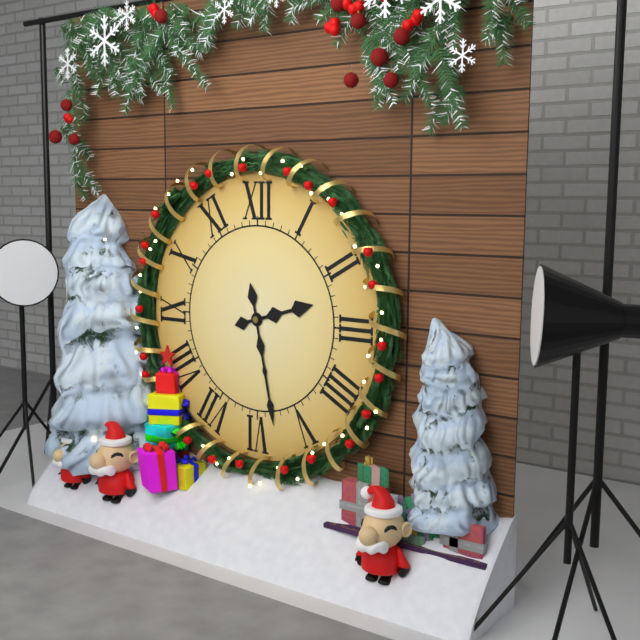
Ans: {"hour": 2, "minute": 28}
